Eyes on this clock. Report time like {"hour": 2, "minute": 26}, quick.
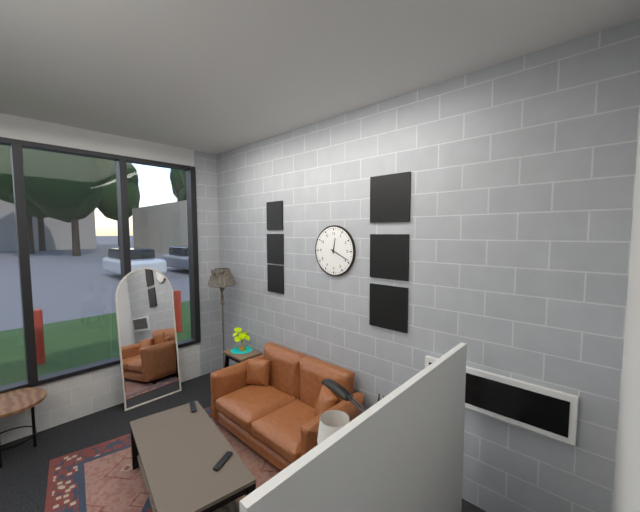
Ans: {"hour": 12, "minute": 19}
